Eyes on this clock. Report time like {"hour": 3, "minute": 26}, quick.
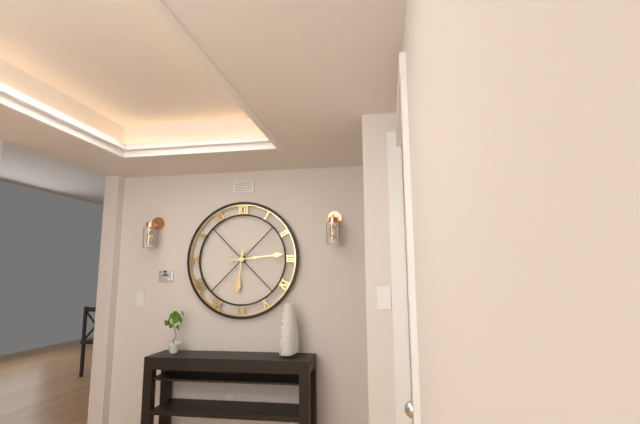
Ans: {"hour": 6, "minute": 14}
